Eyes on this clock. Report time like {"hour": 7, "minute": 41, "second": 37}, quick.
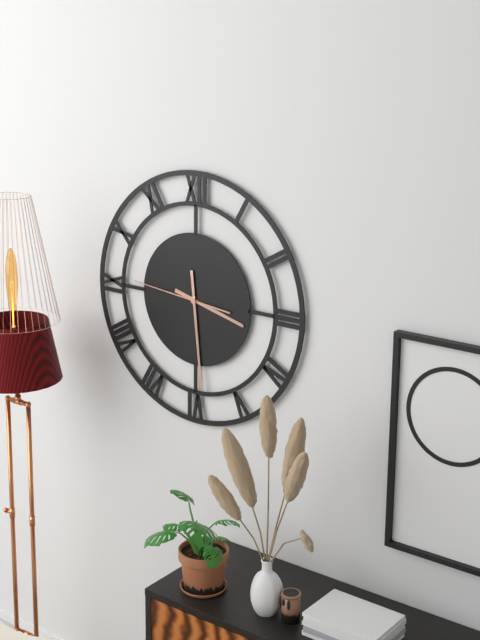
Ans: {"hour": 3, "minute": 29, "second": 46}
